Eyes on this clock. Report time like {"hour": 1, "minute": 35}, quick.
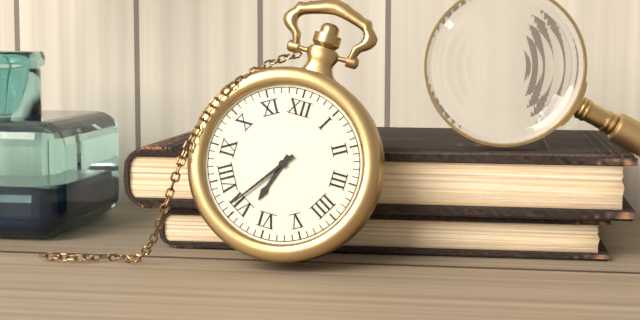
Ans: {"hour": 6, "minute": 36}
